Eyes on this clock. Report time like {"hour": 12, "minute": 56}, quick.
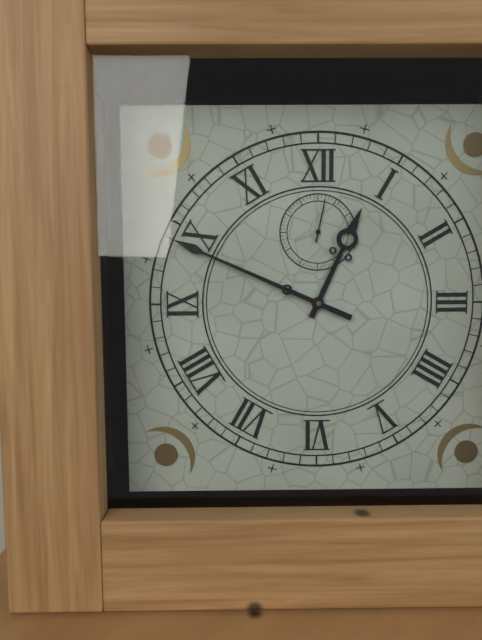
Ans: {"hour": 12, "minute": 49}
